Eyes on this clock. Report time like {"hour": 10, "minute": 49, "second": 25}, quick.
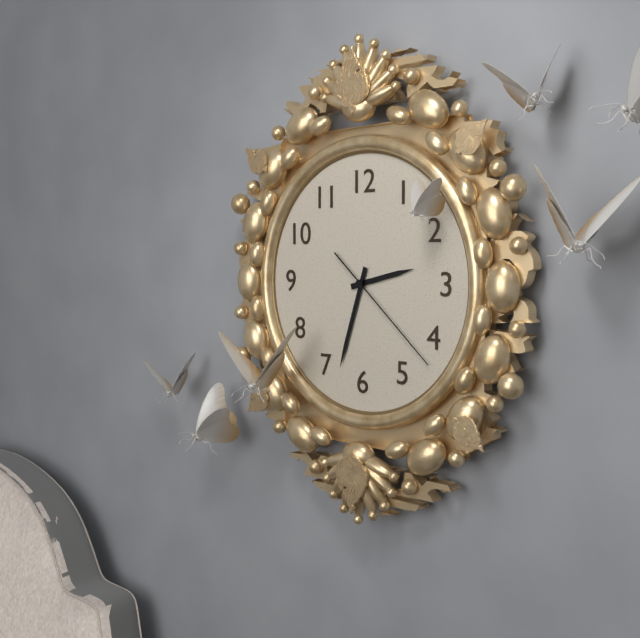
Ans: {"hour": 2, "minute": 33, "second": 22}
